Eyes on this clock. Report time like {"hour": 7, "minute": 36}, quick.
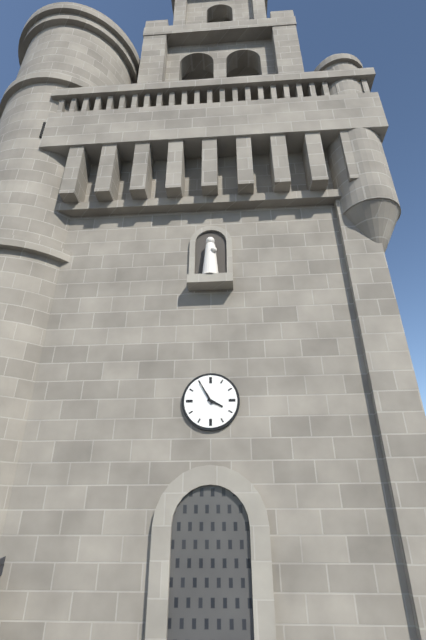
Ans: {"hour": 3, "minute": 55}
